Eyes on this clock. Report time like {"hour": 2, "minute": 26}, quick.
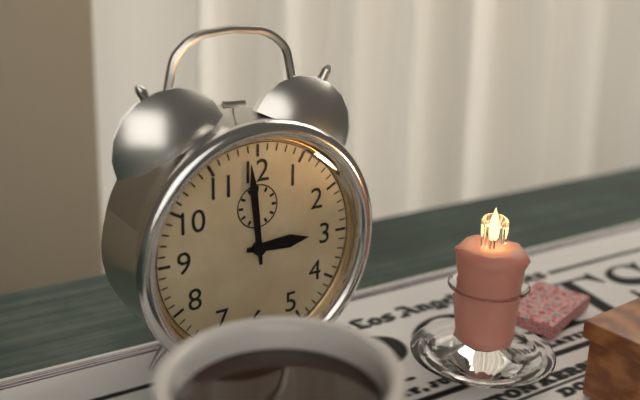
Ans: {"hour": 2, "minute": 59}
